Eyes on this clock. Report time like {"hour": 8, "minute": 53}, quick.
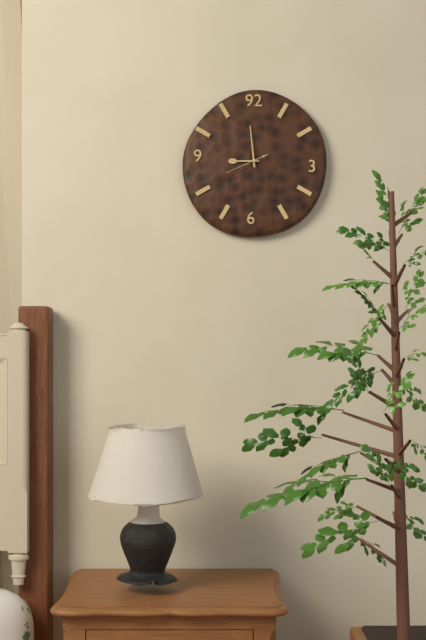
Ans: {"hour": 8, "minute": 59}
